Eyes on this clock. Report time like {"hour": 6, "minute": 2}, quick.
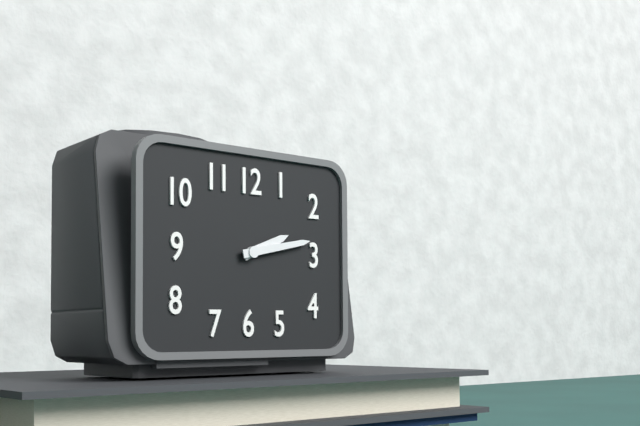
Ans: {"hour": 2, "minute": 13}
